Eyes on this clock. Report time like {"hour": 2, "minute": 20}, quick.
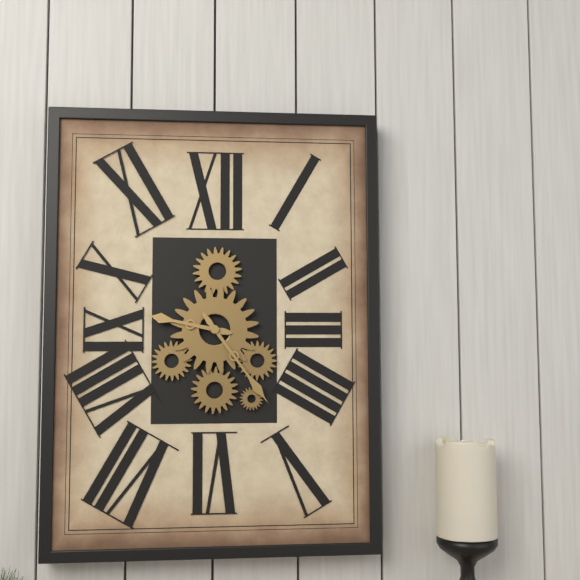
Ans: {"hour": 9, "minute": 24}
